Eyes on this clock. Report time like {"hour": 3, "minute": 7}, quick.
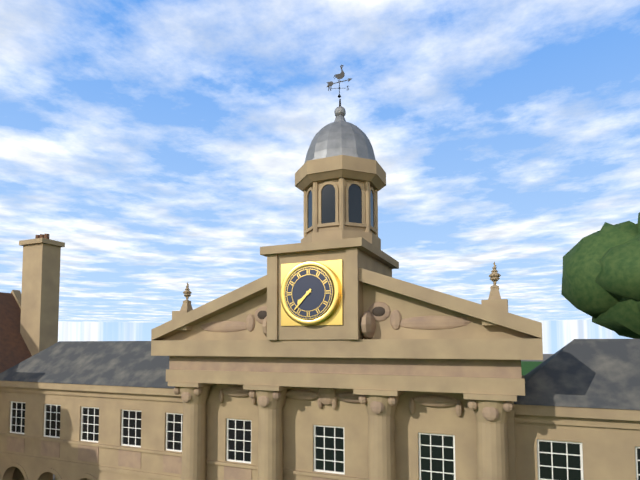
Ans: {"hour": 7, "minute": 37}
